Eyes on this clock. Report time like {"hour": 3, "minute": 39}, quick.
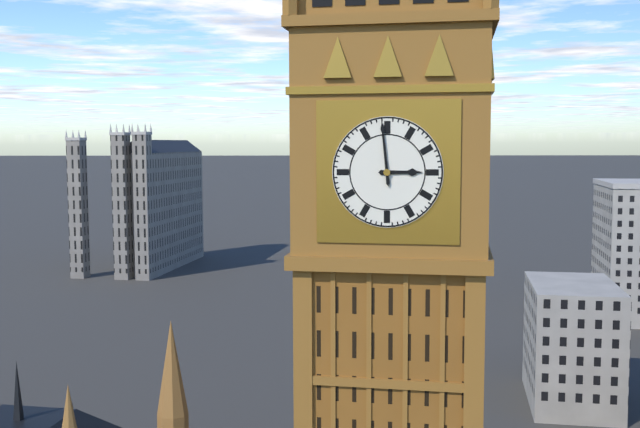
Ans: {"hour": 2, "minute": 59}
